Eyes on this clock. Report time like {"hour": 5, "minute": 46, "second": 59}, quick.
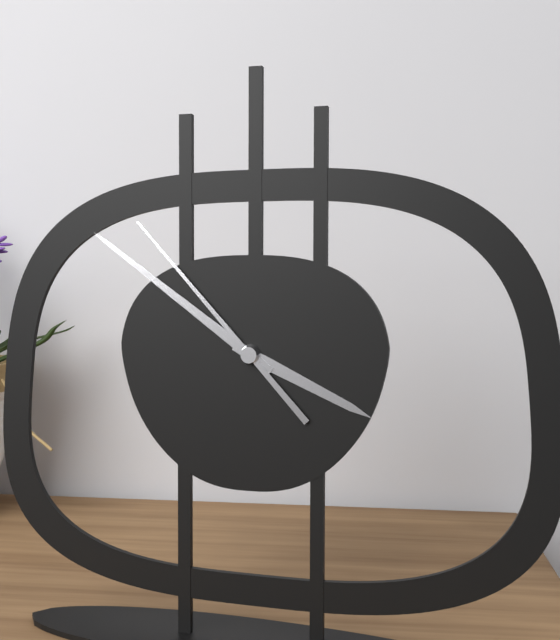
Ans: {"hour": 3, "minute": 51, "second": 53}
